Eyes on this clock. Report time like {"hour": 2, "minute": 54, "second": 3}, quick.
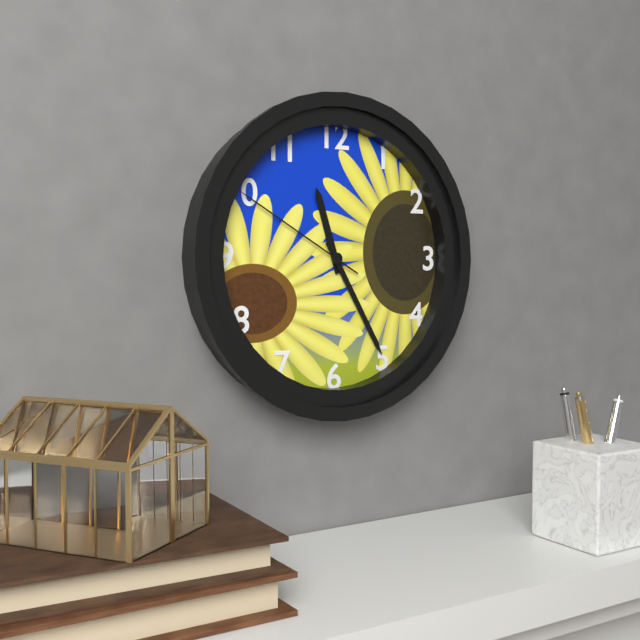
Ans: {"hour": 11, "minute": 25, "second": 50}
